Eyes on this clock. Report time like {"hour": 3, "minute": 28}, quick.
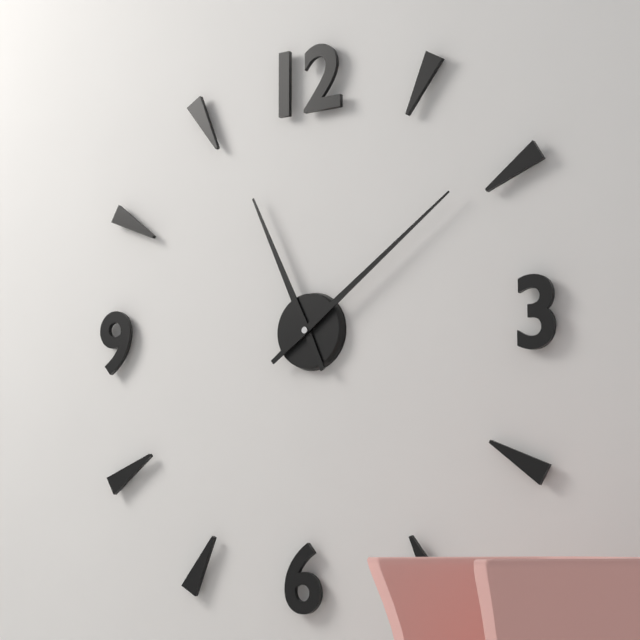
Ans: {"hour": 11, "minute": 9}
